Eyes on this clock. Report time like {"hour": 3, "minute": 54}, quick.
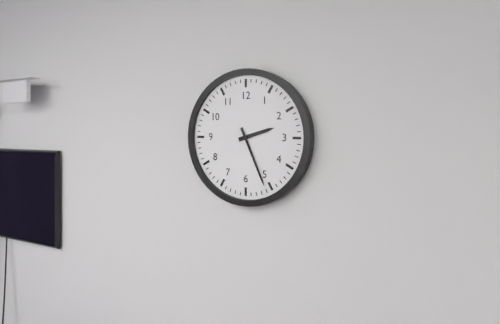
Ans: {"hour": 2, "minute": 26}
